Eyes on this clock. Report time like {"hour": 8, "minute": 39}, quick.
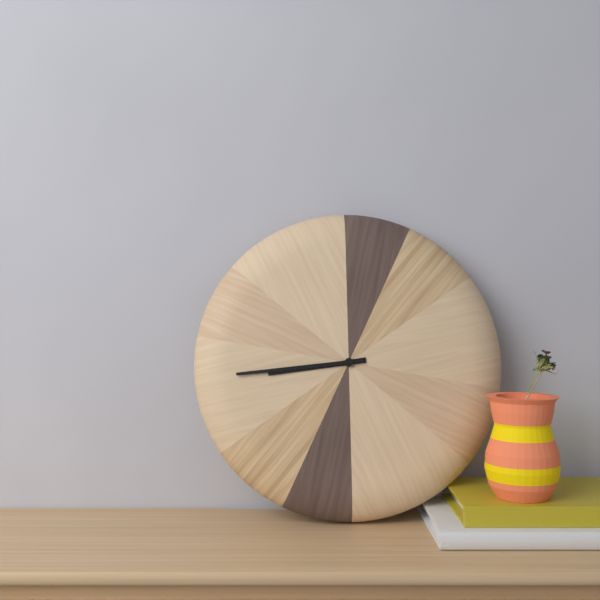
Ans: {"hour": 8, "minute": 44}
